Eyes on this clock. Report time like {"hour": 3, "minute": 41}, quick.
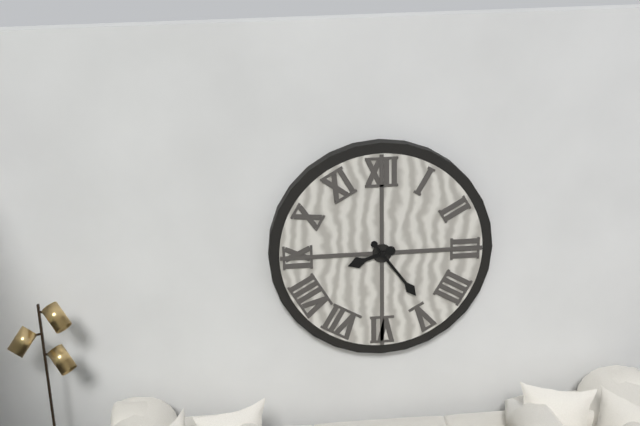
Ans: {"hour": 8, "minute": 24}
